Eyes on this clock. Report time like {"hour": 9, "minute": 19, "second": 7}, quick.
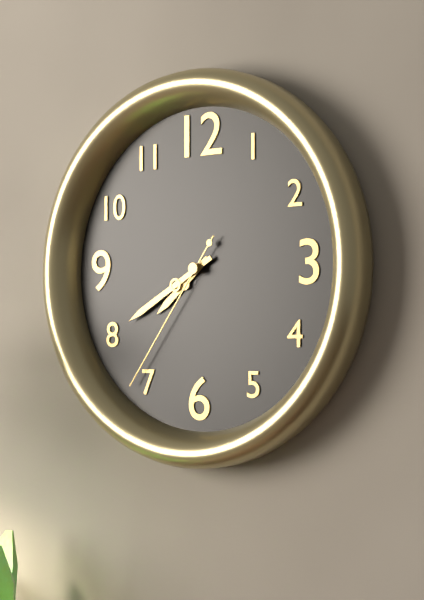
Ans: {"hour": 7, "minute": 40, "second": 36}
